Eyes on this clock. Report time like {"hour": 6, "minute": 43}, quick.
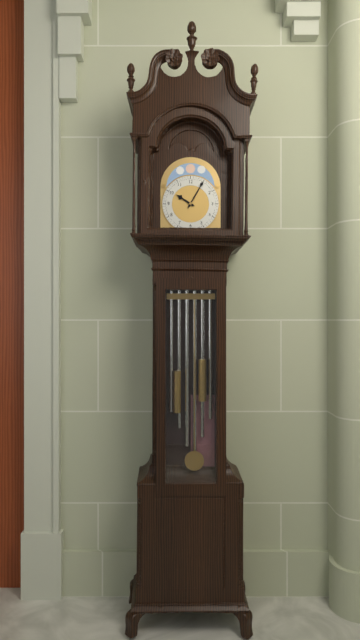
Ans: {"hour": 10, "minute": 5}
